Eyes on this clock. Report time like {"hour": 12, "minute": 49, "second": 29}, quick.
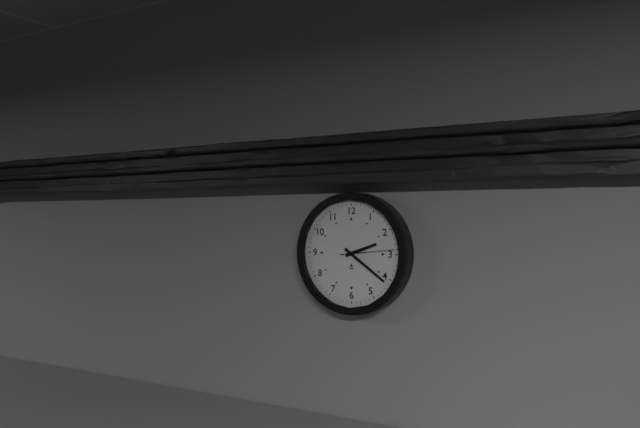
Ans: {"hour": 2, "minute": 21, "second": 14}
